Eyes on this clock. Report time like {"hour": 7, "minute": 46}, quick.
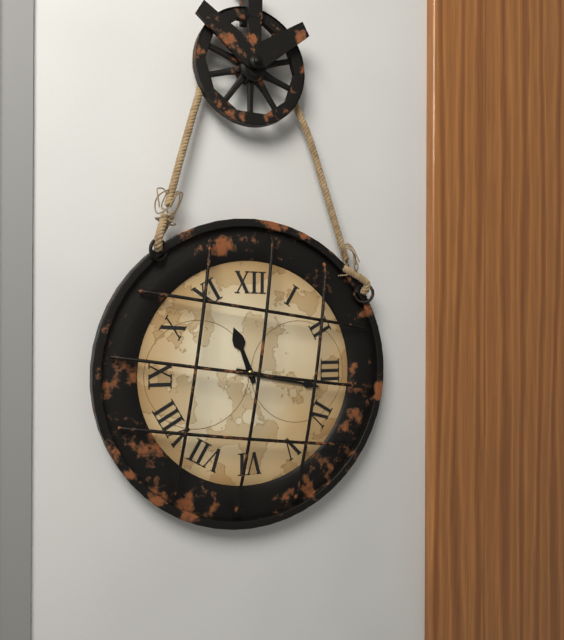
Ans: {"hour": 11, "minute": 17}
